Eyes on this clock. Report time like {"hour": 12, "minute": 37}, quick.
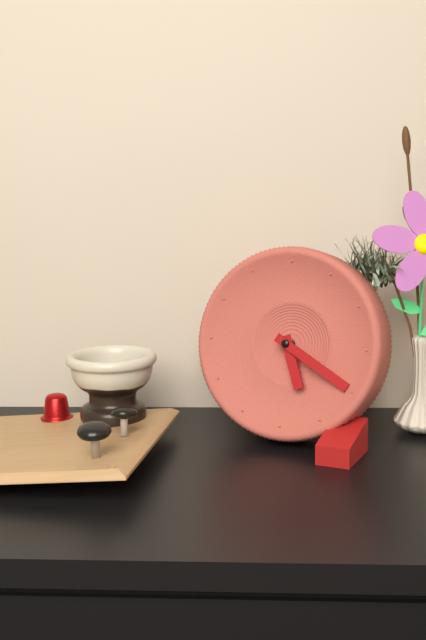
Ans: {"hour": 5, "minute": 20}
